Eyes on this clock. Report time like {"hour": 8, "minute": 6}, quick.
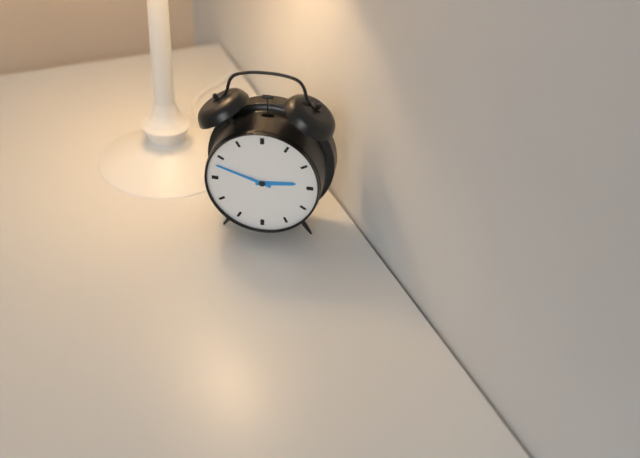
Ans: {"hour": 2, "minute": 48}
